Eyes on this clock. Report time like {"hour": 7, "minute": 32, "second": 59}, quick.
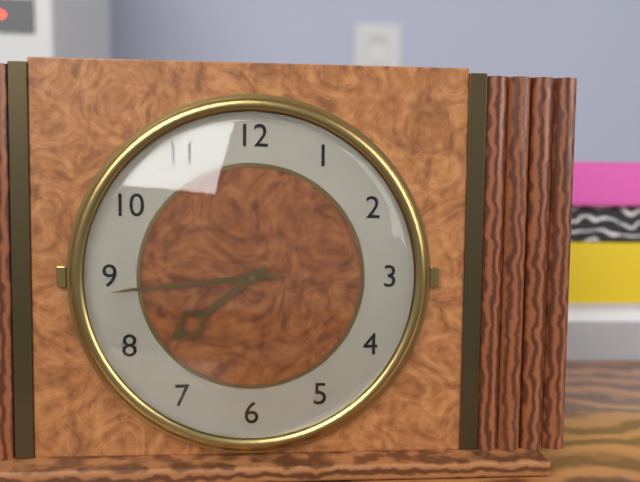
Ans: {"hour": 7, "minute": 44, "second": 44}
